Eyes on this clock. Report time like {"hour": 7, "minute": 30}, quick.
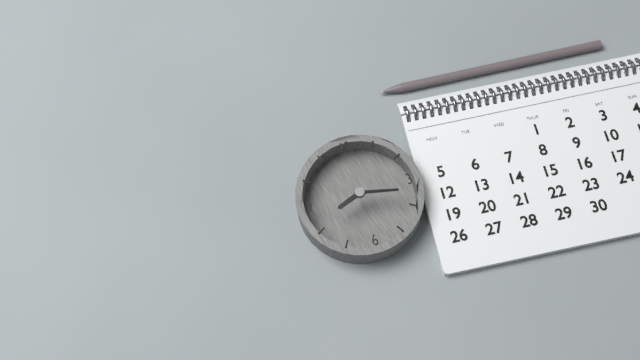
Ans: {"hour": 8, "minute": 17}
